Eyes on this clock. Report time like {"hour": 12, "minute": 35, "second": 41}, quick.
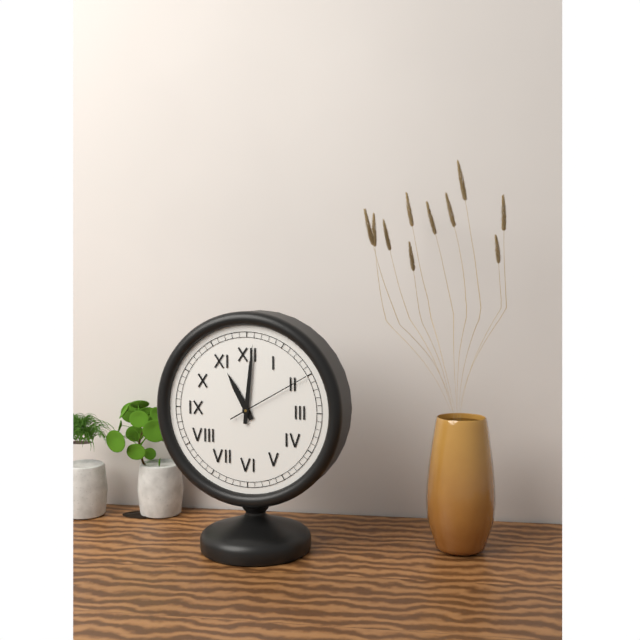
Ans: {"hour": 11, "minute": 1, "second": 10}
